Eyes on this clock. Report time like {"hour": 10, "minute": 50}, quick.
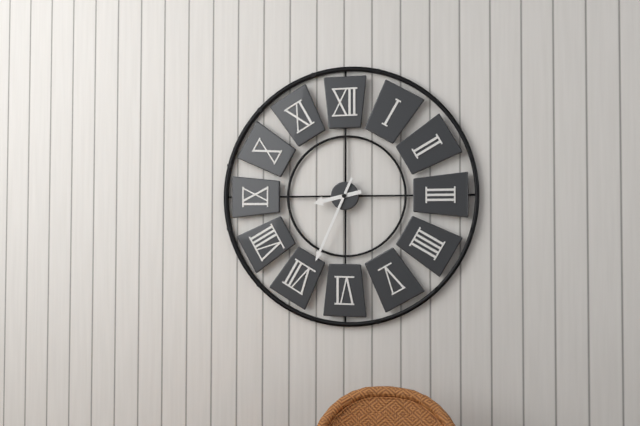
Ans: {"hour": 8, "minute": 34}
